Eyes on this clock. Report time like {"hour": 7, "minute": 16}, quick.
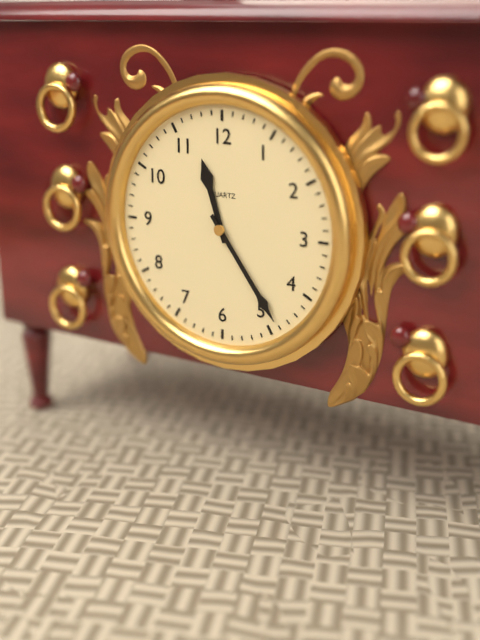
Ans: {"hour": 11, "minute": 24}
